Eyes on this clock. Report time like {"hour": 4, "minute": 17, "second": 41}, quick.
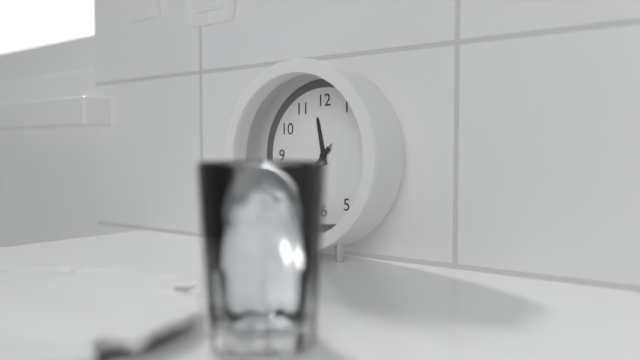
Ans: {"hour": 11, "minute": 37, "second": 37}
